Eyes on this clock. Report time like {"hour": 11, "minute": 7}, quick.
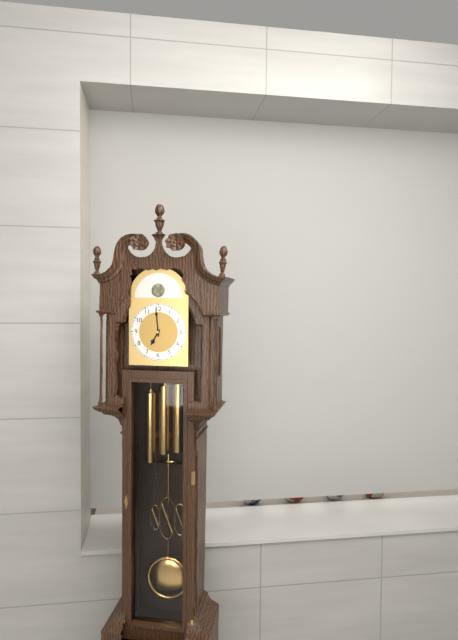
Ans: {"hour": 6, "minute": 59}
